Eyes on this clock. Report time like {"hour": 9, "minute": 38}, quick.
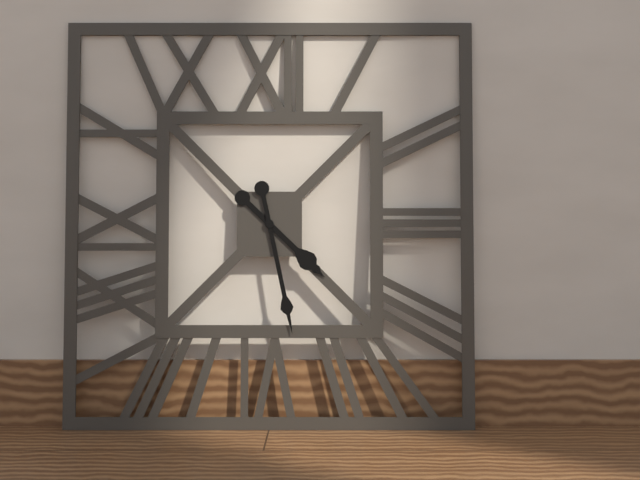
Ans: {"hour": 4, "minute": 28}
